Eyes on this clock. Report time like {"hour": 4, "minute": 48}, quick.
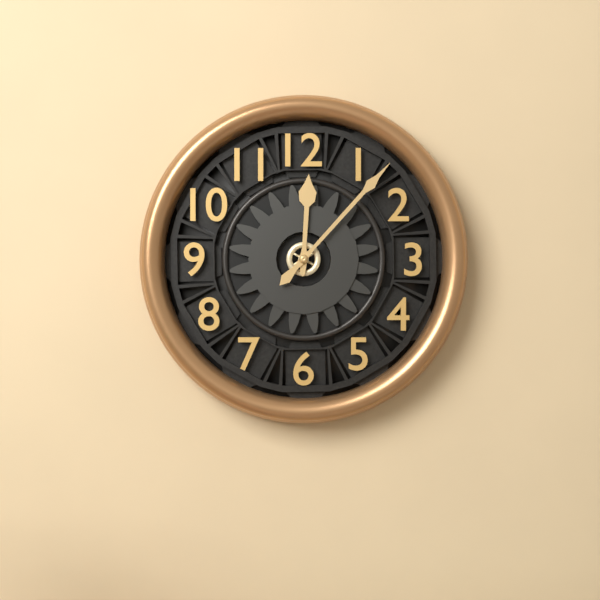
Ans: {"hour": 12, "minute": 7}
